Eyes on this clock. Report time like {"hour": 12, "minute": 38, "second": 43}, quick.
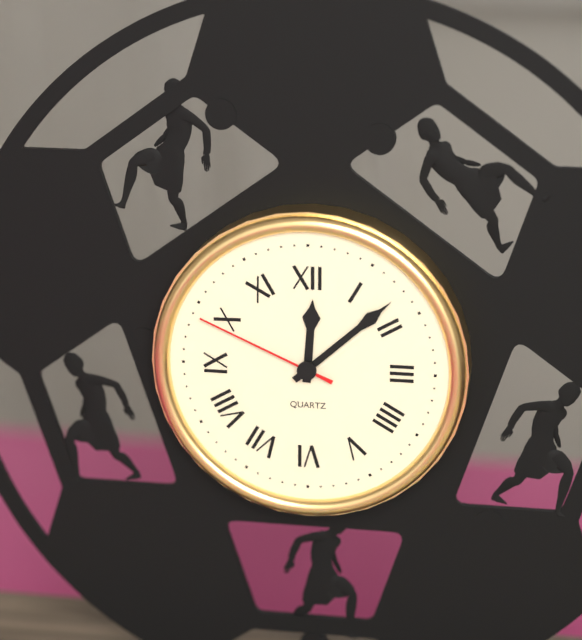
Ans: {"hour": 12, "minute": 8, "second": 49}
